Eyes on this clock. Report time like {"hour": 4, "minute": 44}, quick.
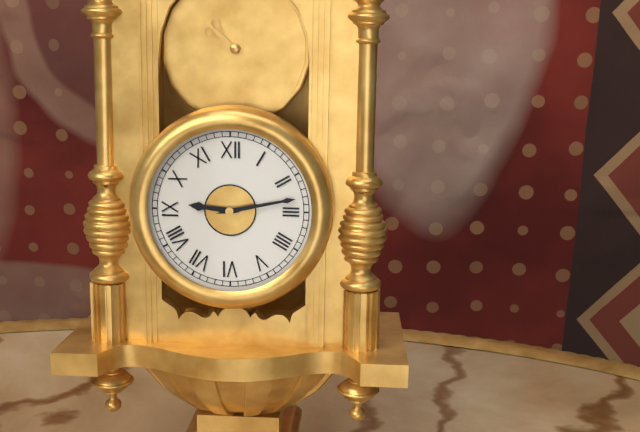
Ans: {"hour": 9, "minute": 13}
